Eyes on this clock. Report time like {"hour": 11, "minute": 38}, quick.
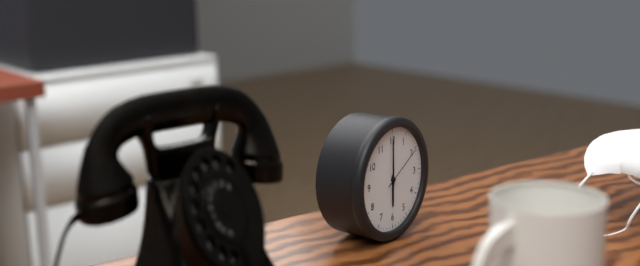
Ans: {"hour": 6, "minute": 0}
